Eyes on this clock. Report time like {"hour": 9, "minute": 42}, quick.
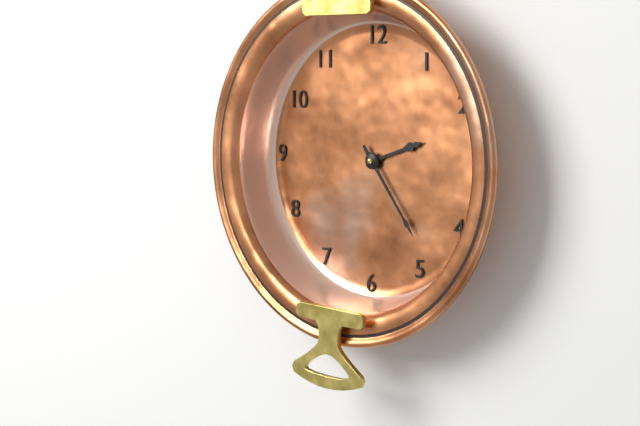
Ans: {"hour": 2, "minute": 24}
